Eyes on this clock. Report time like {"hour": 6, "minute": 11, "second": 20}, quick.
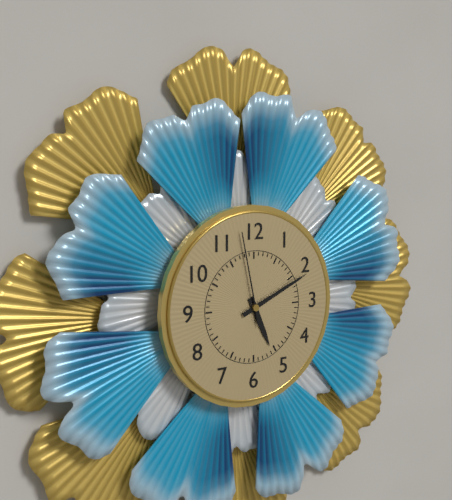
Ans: {"hour": 5, "minute": 11, "second": 58}
